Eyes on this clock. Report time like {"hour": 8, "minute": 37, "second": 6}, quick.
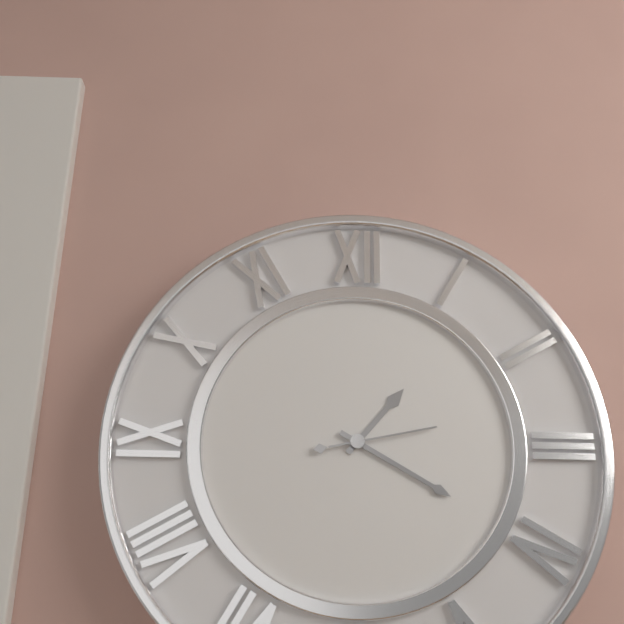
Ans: {"hour": 1, "minute": 20, "second": 13}
